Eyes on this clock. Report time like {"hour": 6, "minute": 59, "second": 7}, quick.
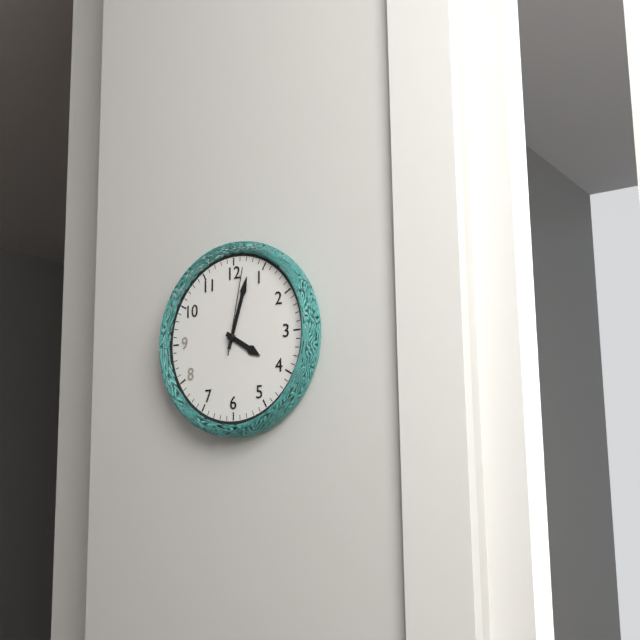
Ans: {"hour": 4, "minute": 3, "second": 2}
